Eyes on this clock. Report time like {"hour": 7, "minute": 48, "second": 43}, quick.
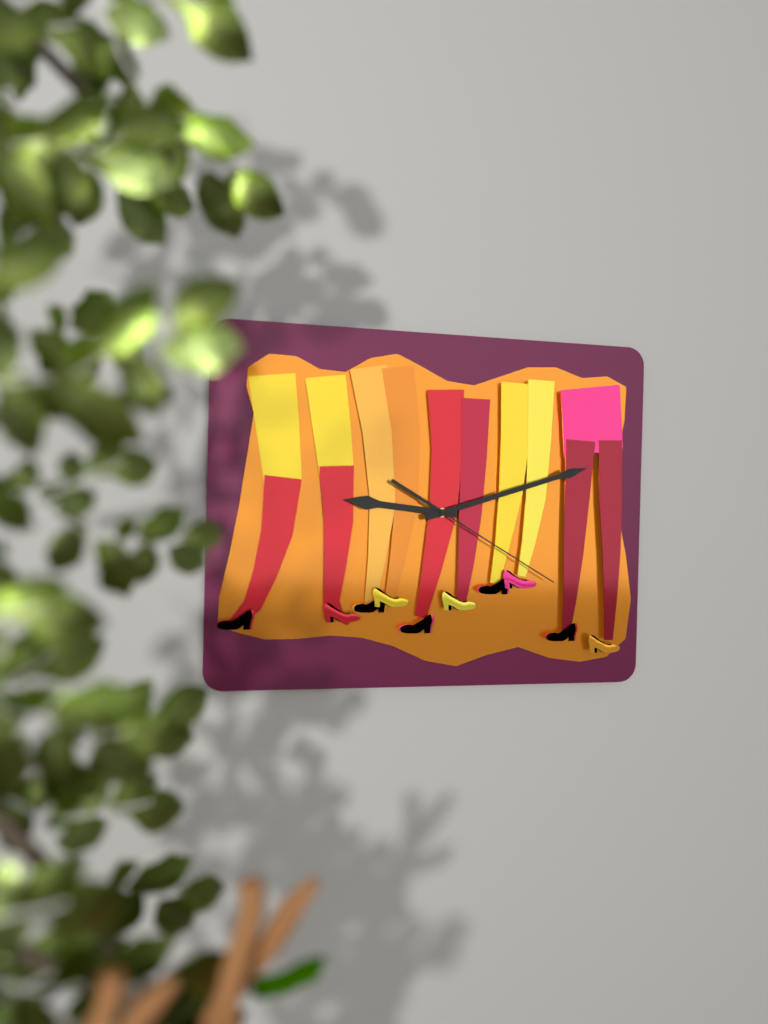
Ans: {"hour": 9, "minute": 12, "second": 20}
